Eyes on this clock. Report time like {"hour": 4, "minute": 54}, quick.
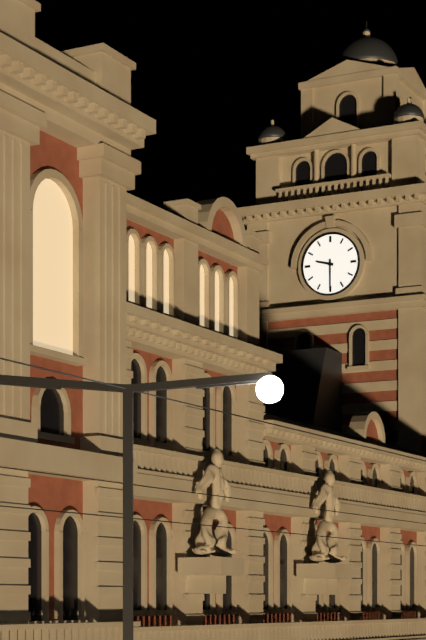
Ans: {"hour": 9, "minute": 30}
